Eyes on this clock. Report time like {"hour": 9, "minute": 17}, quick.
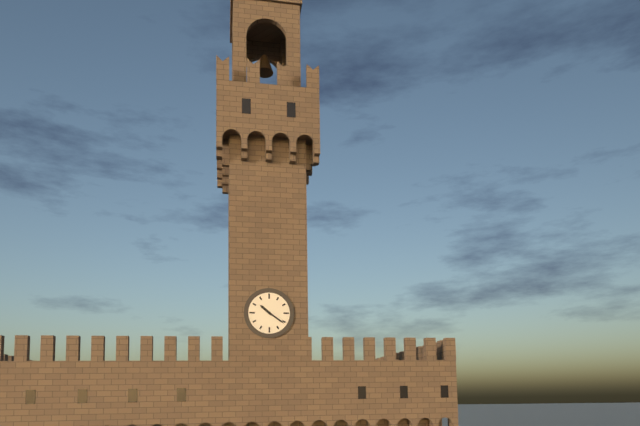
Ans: {"hour": 10, "minute": 21}
